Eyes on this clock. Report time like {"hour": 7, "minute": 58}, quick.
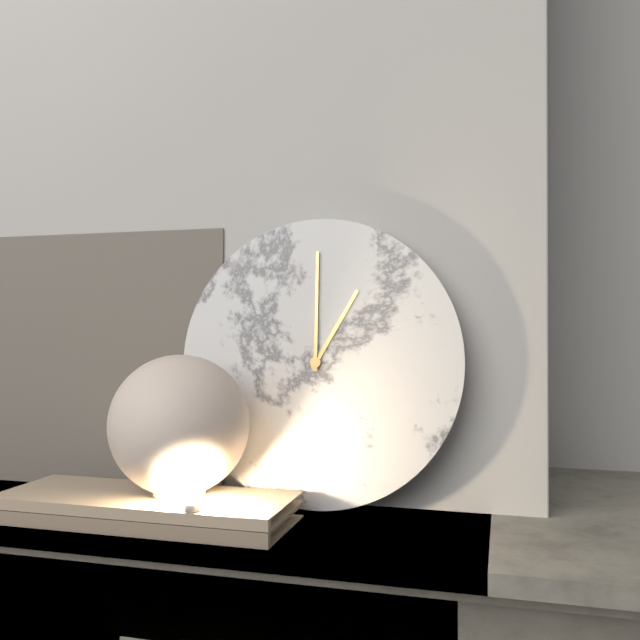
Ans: {"hour": 1, "minute": 0}
